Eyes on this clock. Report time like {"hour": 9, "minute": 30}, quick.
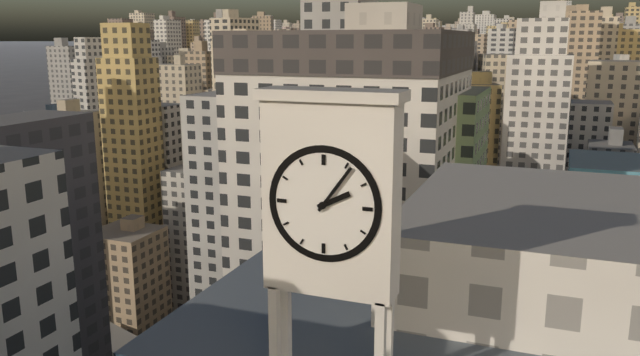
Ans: {"hour": 2, "minute": 6}
